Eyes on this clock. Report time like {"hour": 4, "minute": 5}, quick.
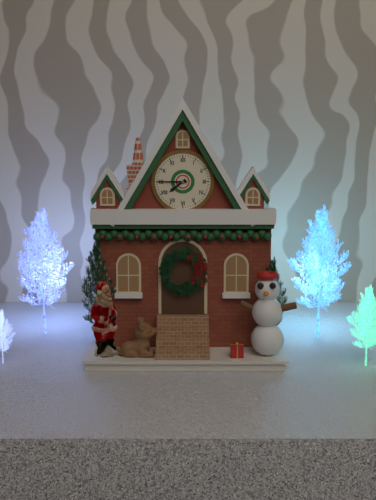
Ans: {"hour": 7, "minute": 45}
